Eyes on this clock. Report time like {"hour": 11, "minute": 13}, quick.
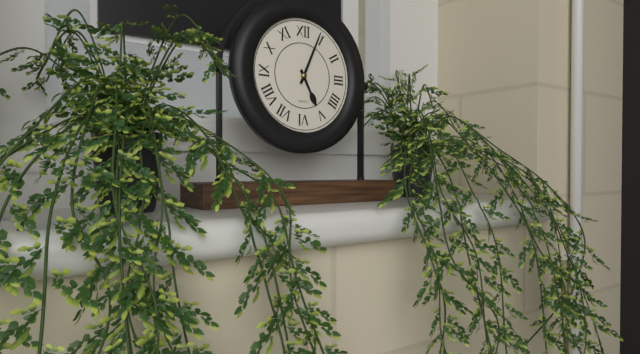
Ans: {"hour": 5, "minute": 4}
